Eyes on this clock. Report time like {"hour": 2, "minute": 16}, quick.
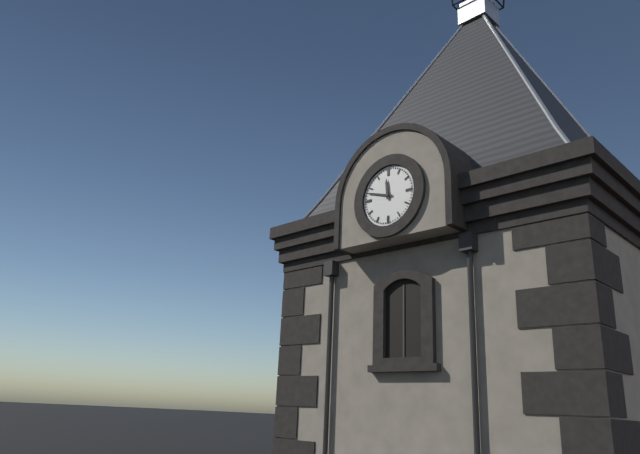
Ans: {"hour": 11, "minute": 48}
